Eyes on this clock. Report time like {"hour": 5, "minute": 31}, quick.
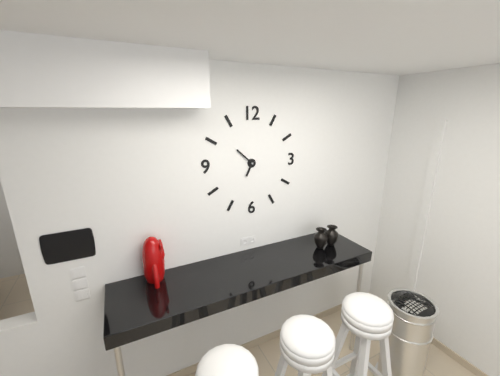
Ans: {"hour": 6, "minute": 52}
